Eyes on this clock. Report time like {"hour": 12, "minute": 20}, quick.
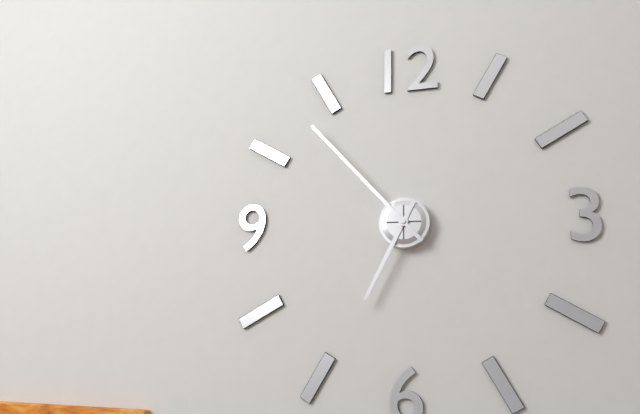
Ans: {"hour": 6, "minute": 53}
